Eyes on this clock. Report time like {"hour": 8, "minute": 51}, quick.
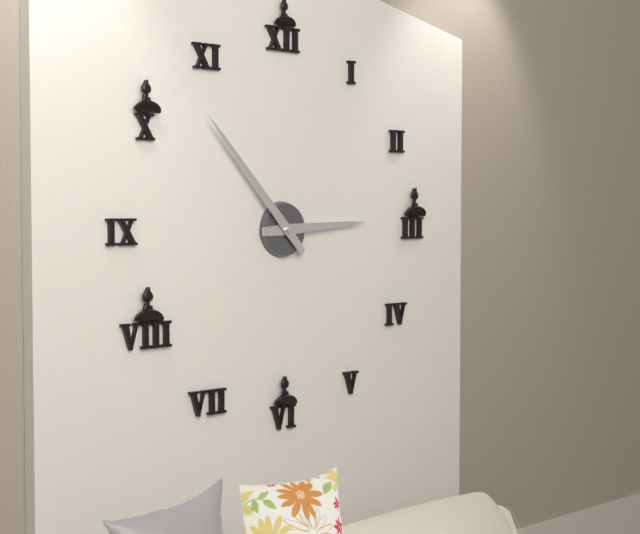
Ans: {"hour": 2, "minute": 53}
